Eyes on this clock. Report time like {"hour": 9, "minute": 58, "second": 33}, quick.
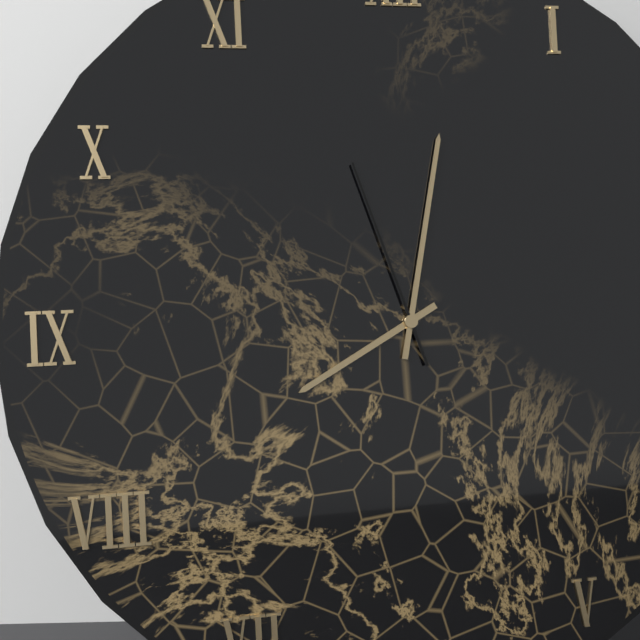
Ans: {"hour": 8, "minute": 2, "second": 57}
